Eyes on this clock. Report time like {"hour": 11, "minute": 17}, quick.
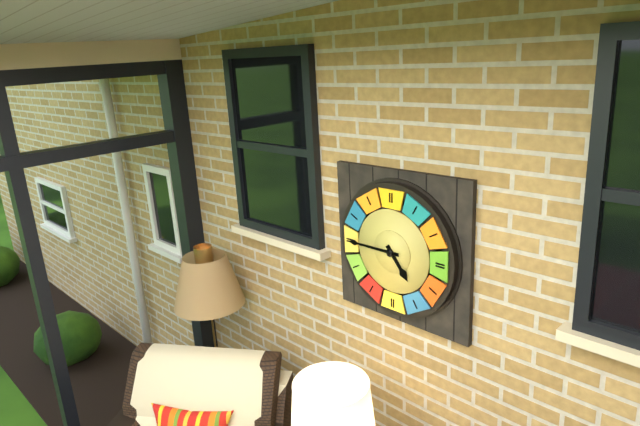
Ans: {"hour": 4, "minute": 45}
